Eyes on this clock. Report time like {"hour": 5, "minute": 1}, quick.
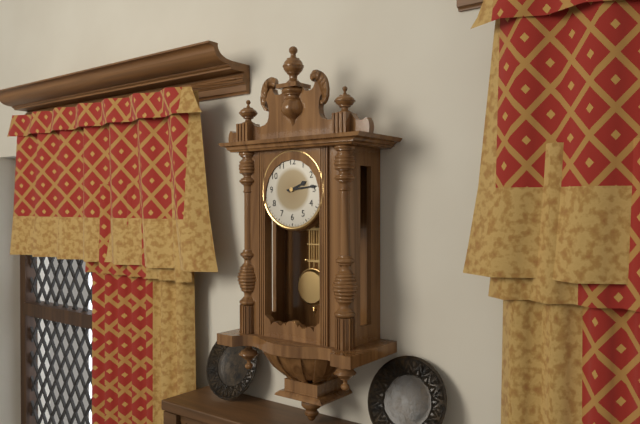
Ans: {"hour": 2, "minute": 14}
